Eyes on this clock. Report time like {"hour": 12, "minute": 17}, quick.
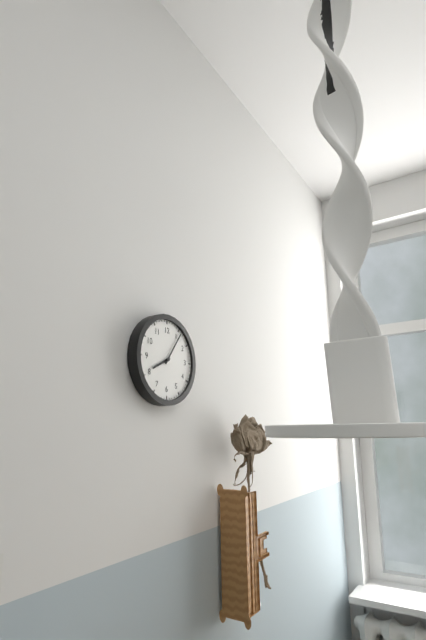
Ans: {"hour": 8, "minute": 6}
